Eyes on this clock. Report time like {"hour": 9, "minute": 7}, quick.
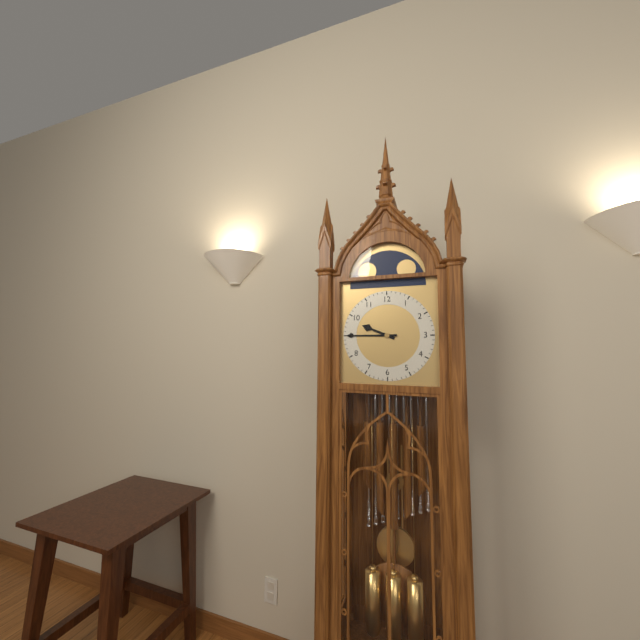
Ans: {"hour": 9, "minute": 45}
